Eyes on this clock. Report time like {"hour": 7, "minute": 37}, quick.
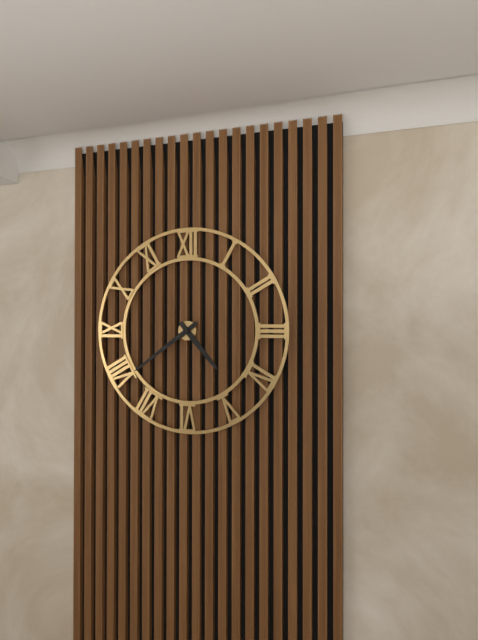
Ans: {"hour": 4, "minute": 39}
